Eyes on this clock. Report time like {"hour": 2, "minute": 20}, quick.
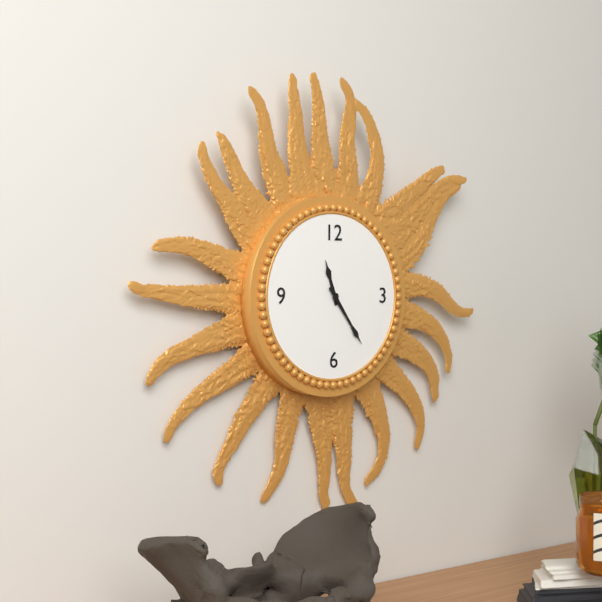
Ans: {"hour": 11, "minute": 24}
